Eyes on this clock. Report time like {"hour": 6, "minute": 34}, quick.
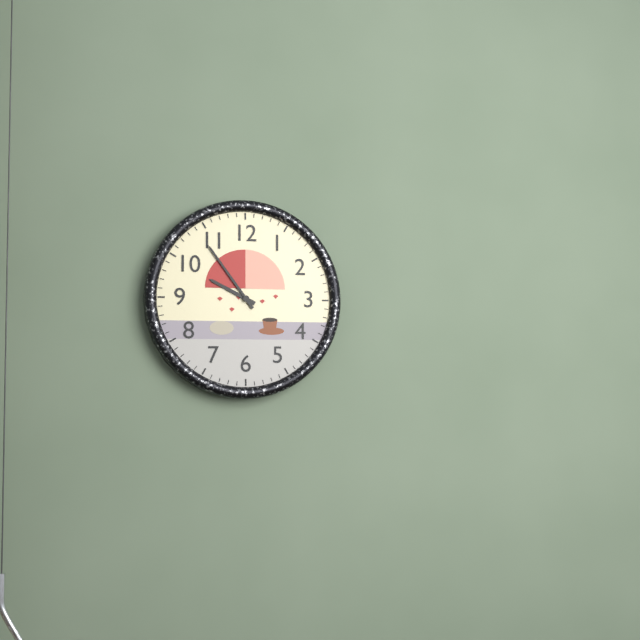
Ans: {"hour": 9, "minute": 54}
